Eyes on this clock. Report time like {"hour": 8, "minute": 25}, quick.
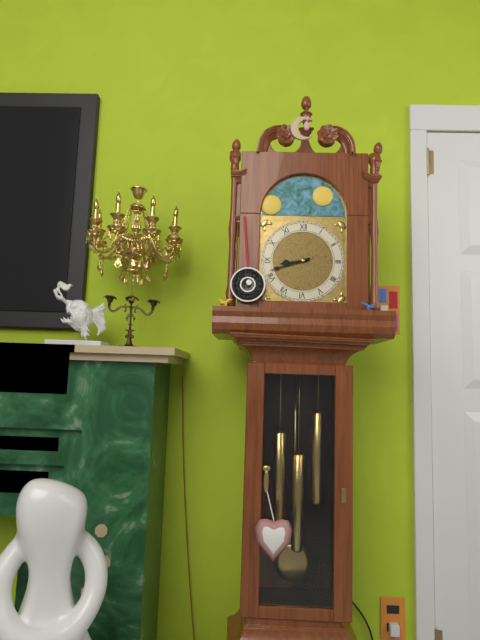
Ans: {"hour": 8, "minute": 42}
